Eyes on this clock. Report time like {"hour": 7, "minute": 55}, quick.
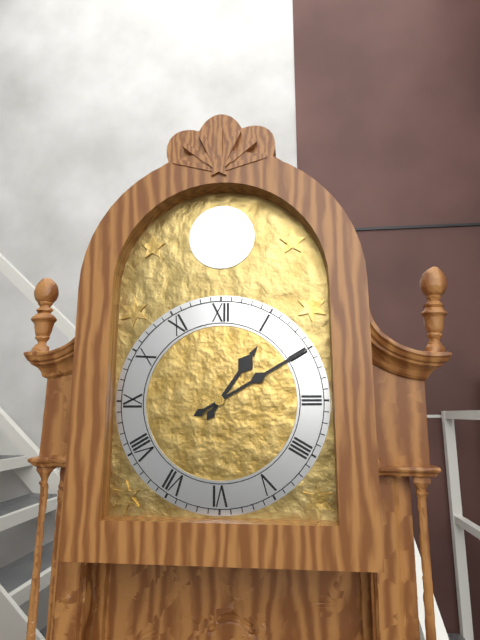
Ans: {"hour": 1, "minute": 10}
